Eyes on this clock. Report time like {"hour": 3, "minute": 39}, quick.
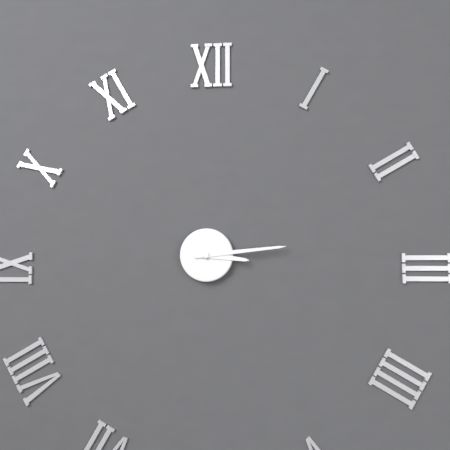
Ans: {"hour": 3, "minute": 14}
